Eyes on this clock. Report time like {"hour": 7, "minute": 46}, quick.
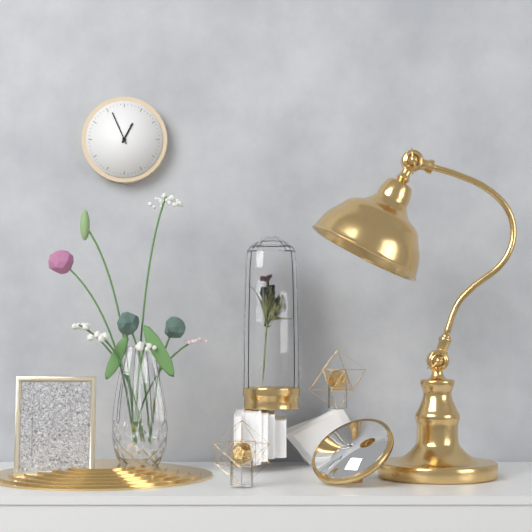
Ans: {"hour": 12, "minute": 56}
